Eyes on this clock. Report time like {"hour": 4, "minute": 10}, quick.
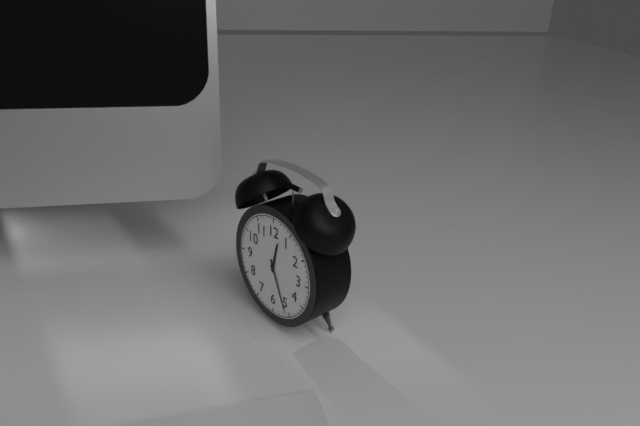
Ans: {"hour": 12, "minute": 26}
